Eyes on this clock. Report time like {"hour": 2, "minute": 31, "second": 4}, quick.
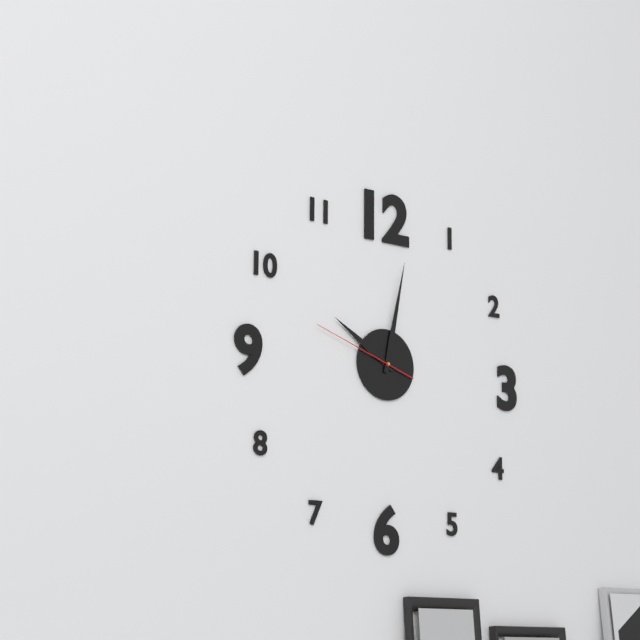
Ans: {"hour": 10, "minute": 2, "second": 48}
